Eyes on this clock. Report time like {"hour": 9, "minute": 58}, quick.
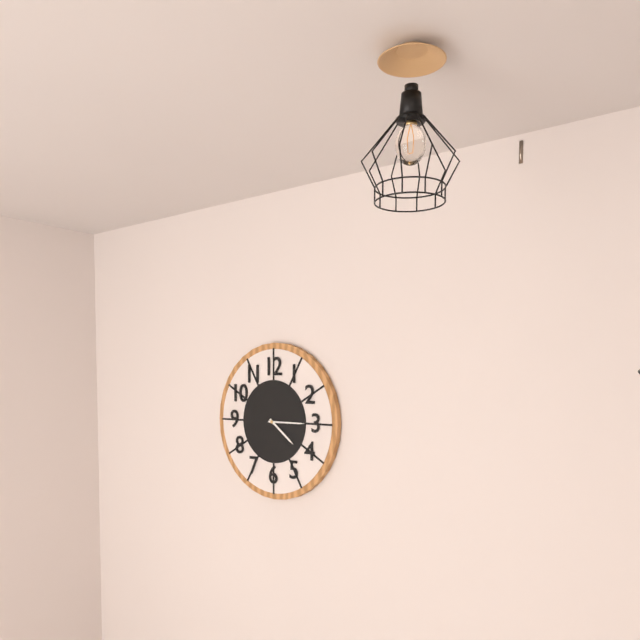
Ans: {"hour": 4, "minute": 15}
